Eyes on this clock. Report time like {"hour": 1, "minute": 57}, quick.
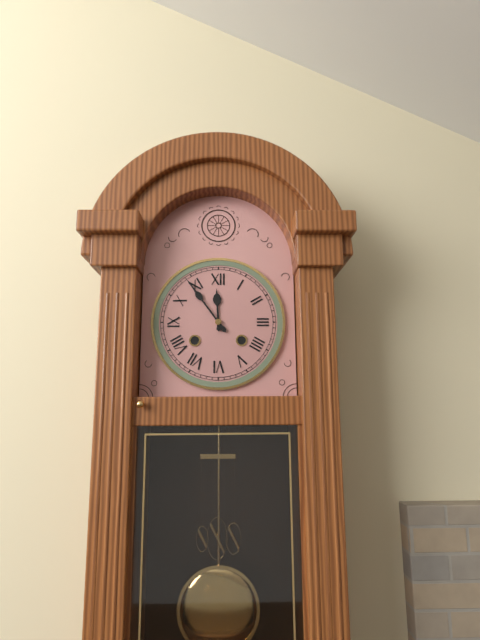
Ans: {"hour": 11, "minute": 54}
